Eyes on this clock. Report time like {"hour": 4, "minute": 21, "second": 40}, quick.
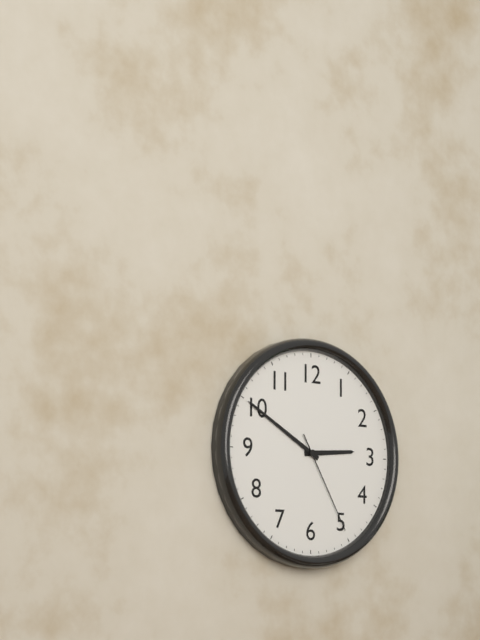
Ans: {"hour": 2, "minute": 50, "second": 25}
